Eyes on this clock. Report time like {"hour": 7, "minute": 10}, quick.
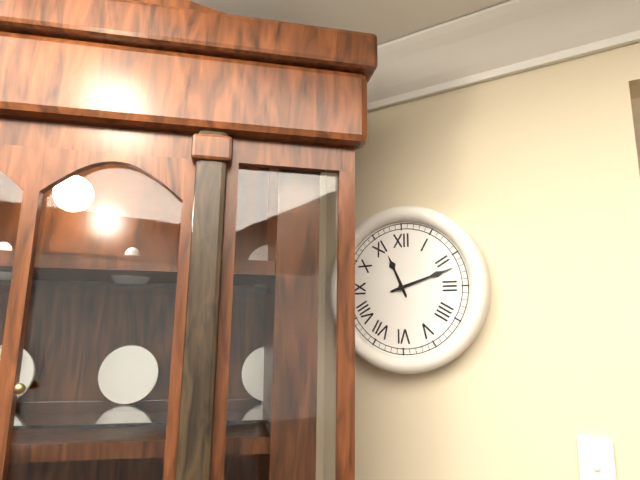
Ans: {"hour": 11, "minute": 12}
